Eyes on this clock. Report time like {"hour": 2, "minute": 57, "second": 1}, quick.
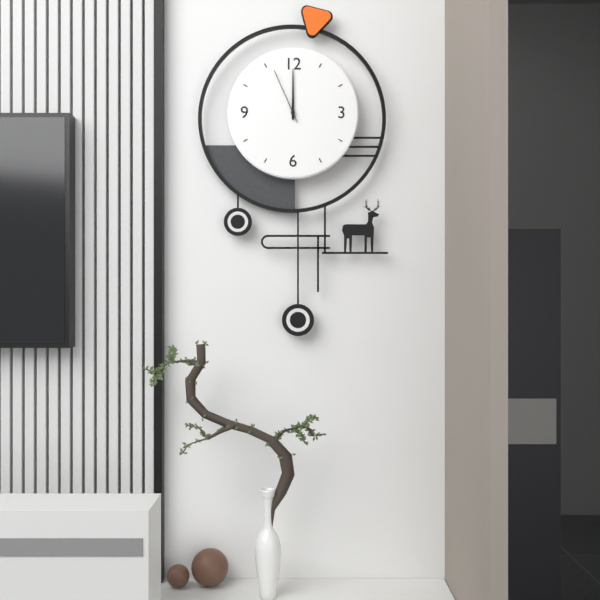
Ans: {"hour": 12, "minute": 0, "second": 56}
